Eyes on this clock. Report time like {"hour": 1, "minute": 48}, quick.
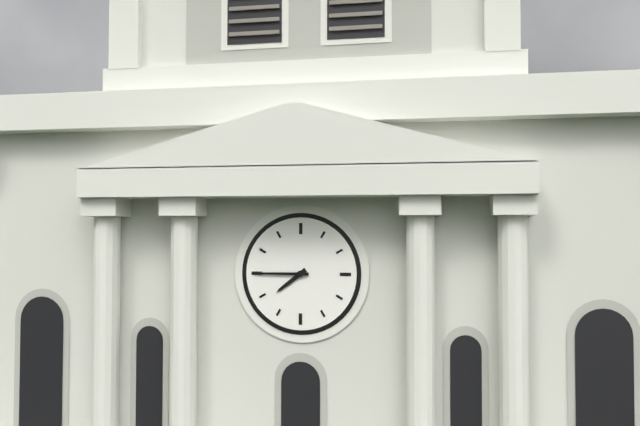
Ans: {"hour": 7, "minute": 45}
